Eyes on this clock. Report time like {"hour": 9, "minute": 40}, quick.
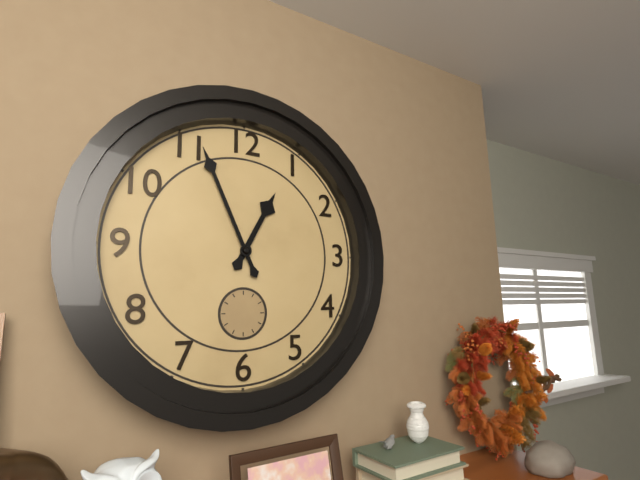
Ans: {"hour": 12, "minute": 56}
